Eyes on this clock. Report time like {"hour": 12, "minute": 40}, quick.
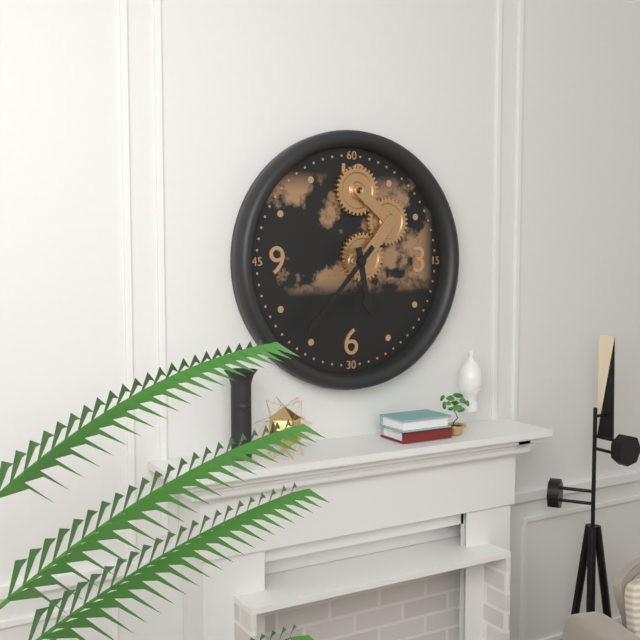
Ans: {"hour": 5, "minute": 37}
